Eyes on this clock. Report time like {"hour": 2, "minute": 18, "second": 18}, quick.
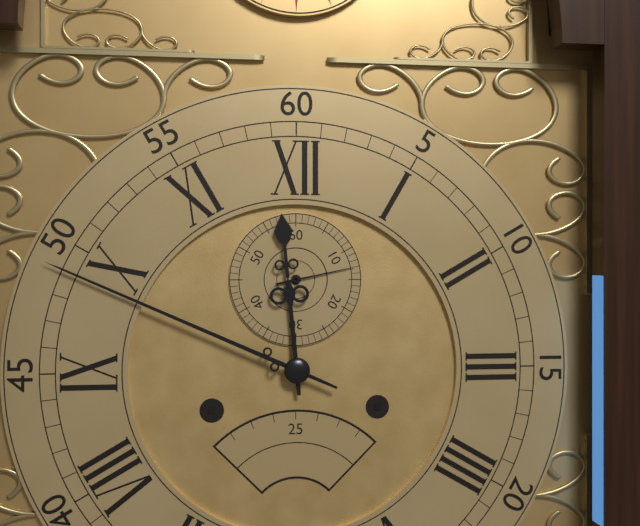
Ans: {"hour": 11, "minute": 49, "second": 13}
